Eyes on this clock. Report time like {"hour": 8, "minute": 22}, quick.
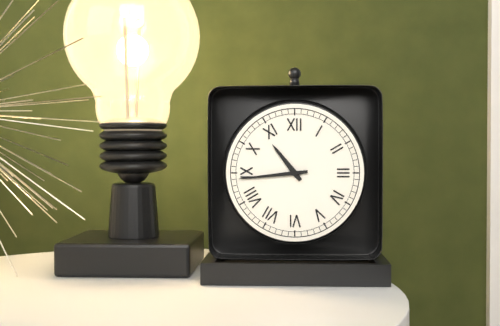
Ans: {"hour": 10, "minute": 44}
